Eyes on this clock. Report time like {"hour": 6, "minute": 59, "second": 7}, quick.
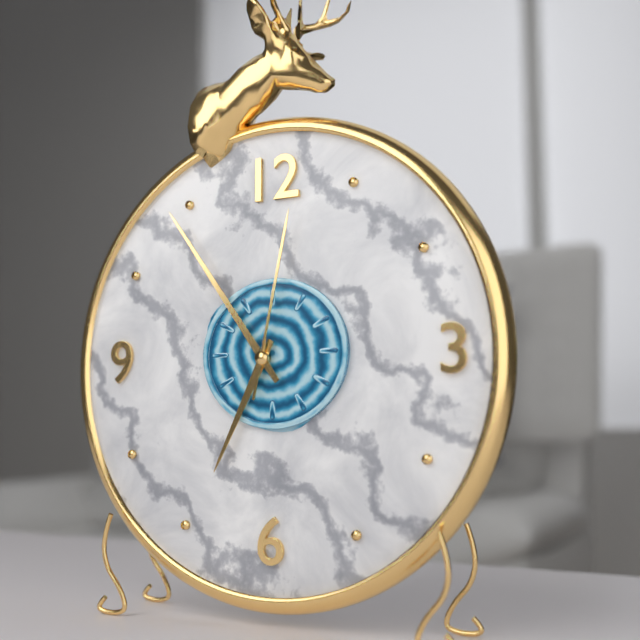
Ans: {"hour": 6, "minute": 54, "second": 2}
